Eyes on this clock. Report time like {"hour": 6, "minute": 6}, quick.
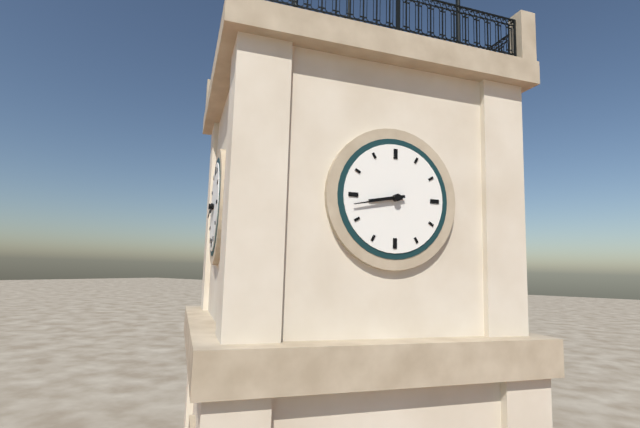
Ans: {"hour": 8, "minute": 43}
